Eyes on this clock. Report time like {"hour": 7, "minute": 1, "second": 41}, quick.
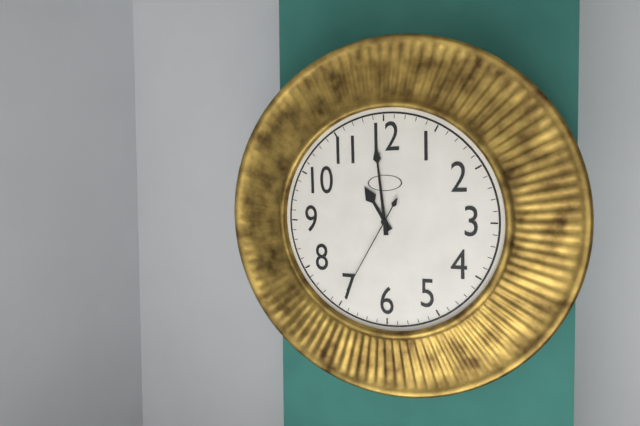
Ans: {"hour": 10, "minute": 59, "second": 35}
